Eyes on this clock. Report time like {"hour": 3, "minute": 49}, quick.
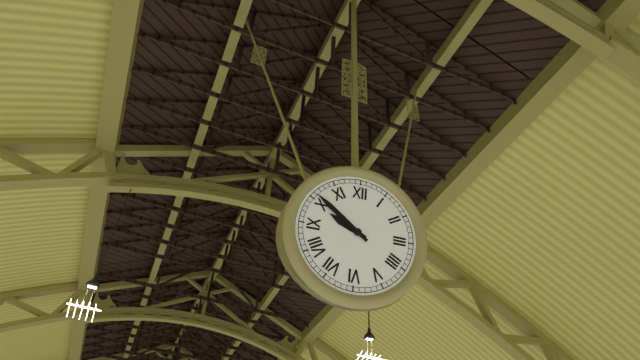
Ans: {"hour": 9, "minute": 51}
